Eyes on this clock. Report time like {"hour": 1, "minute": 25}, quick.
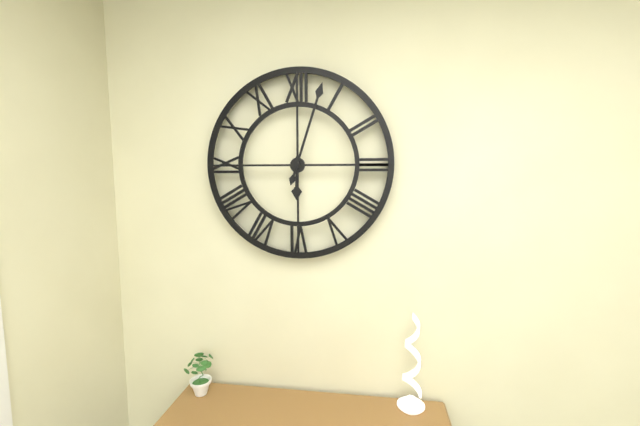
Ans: {"hour": 6, "minute": 3}
